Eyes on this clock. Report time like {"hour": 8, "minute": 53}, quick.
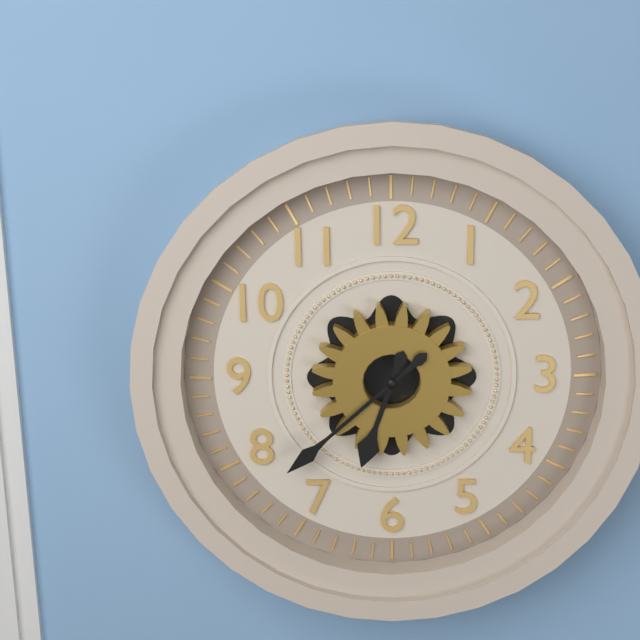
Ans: {"hour": 6, "minute": 38}
